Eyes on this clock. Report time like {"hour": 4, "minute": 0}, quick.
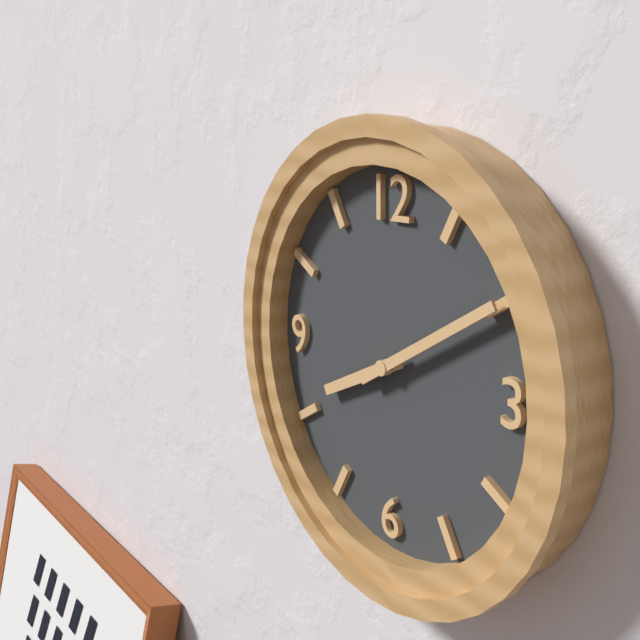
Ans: {"hour": 8, "minute": 10}
